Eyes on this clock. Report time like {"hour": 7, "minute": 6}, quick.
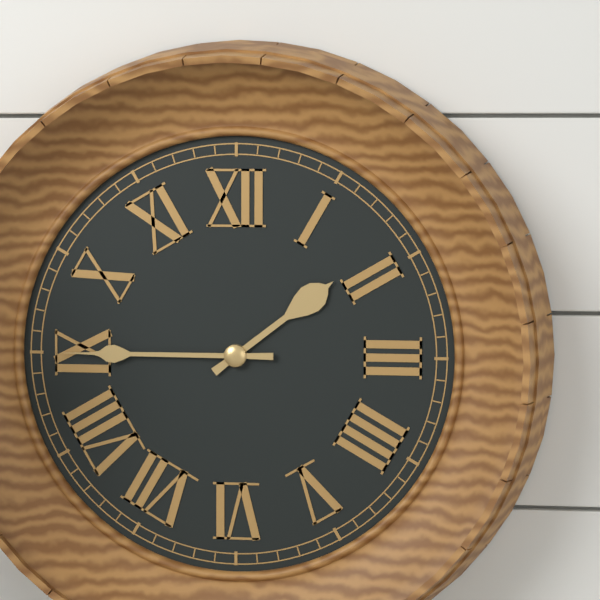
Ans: {"hour": 1, "minute": 45}
